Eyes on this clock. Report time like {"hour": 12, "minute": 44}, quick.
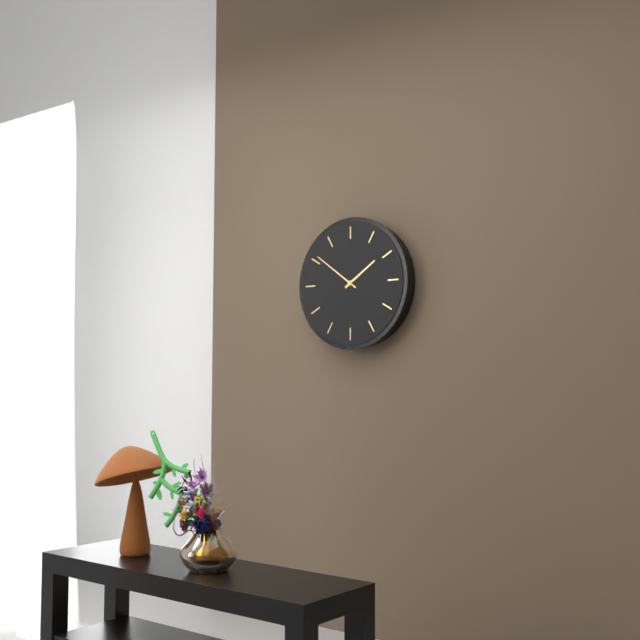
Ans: {"hour": 1, "minute": 51}
